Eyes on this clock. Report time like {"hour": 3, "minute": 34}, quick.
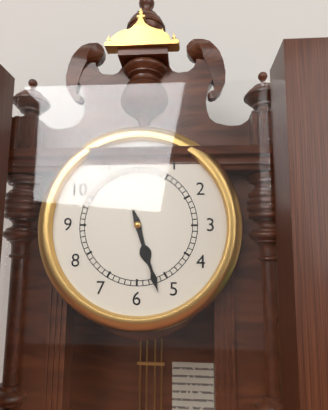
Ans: {"hour": 5, "minute": 27}
